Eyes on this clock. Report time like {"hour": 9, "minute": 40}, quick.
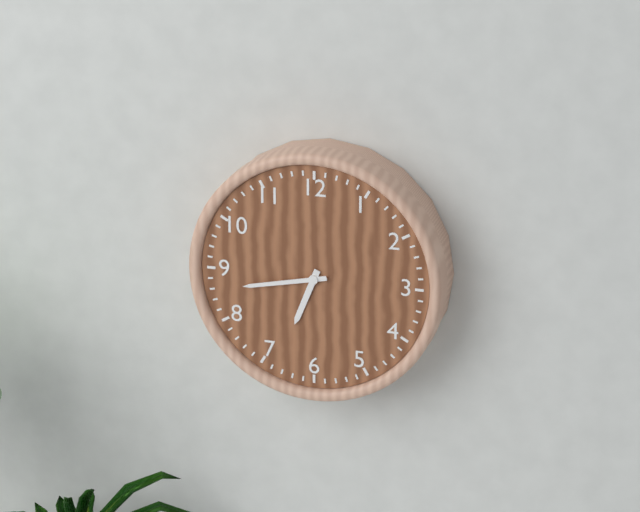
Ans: {"hour": 6, "minute": 43}
